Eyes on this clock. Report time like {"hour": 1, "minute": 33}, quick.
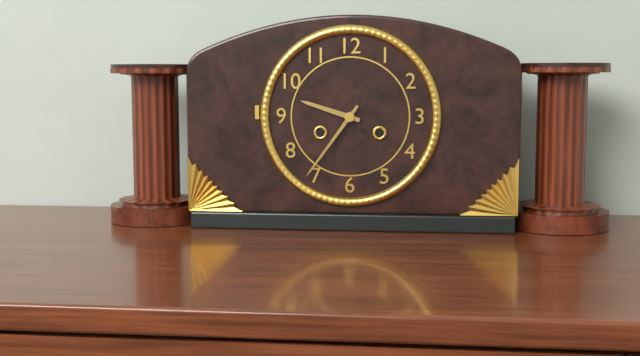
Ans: {"hour": 9, "minute": 36}
